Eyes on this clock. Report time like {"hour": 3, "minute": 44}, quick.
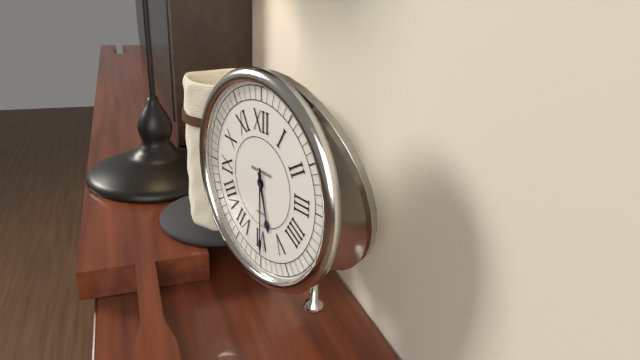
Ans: {"hour": 5, "minute": 30}
